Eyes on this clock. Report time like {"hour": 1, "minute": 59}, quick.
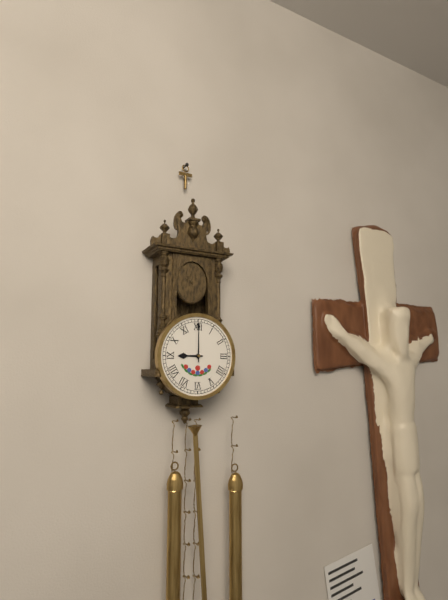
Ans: {"hour": 9, "minute": 0}
